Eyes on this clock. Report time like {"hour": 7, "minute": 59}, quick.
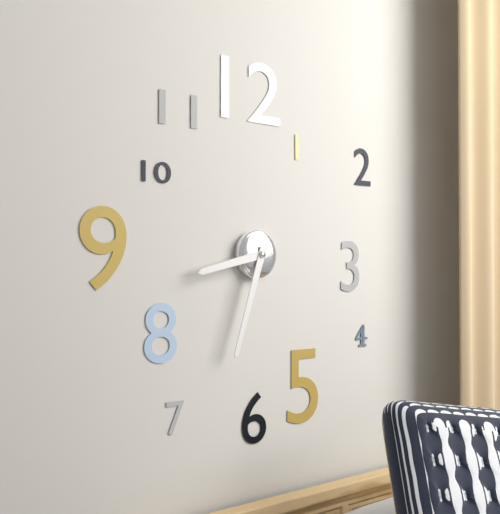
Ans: {"hour": 8, "minute": 33}
